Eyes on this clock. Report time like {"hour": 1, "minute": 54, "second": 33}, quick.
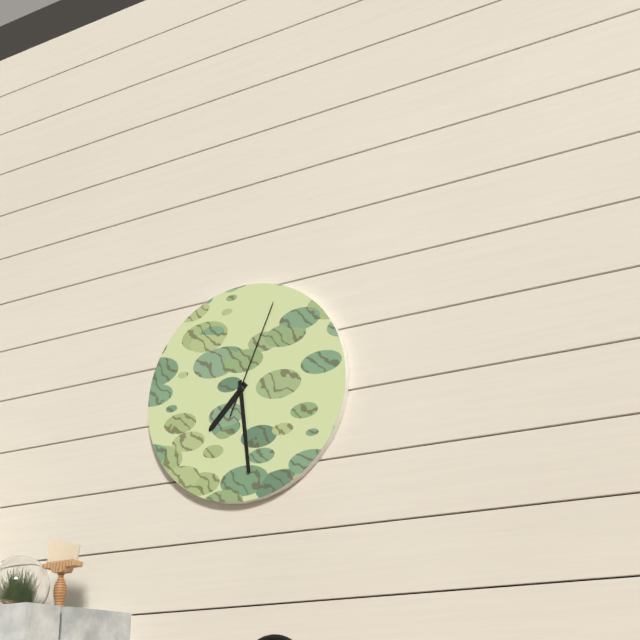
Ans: {"hour": 7, "minute": 29, "second": 4}
